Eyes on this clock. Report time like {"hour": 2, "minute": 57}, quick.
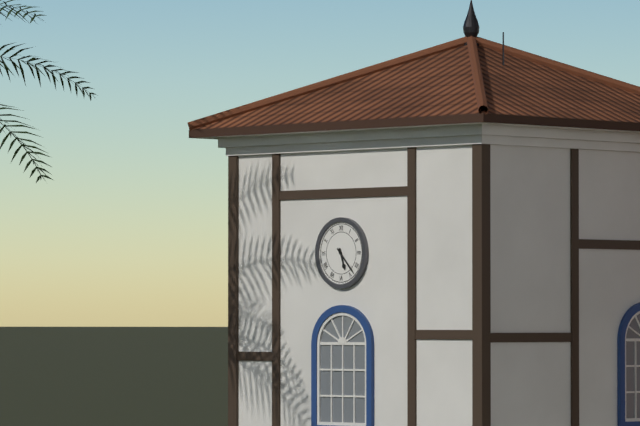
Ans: {"hour": 5, "minute": 23}
